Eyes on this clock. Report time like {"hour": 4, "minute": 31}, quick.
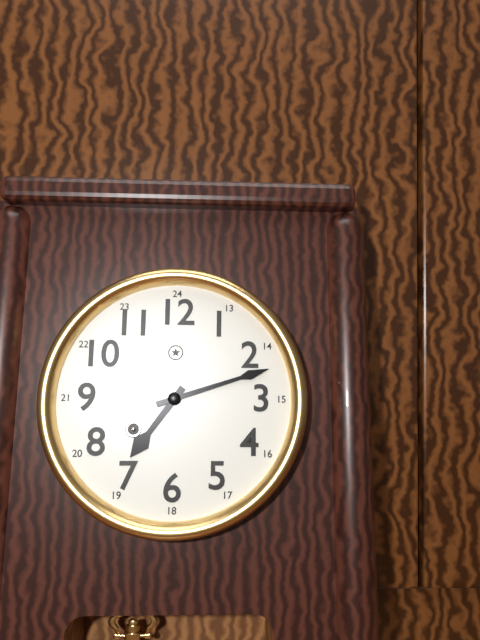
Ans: {"hour": 7, "minute": 12}
